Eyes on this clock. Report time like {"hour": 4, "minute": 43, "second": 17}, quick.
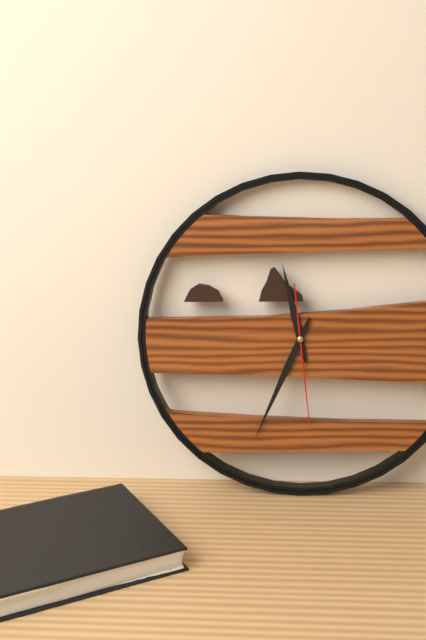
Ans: {"hour": 11, "minute": 34, "second": 29}
